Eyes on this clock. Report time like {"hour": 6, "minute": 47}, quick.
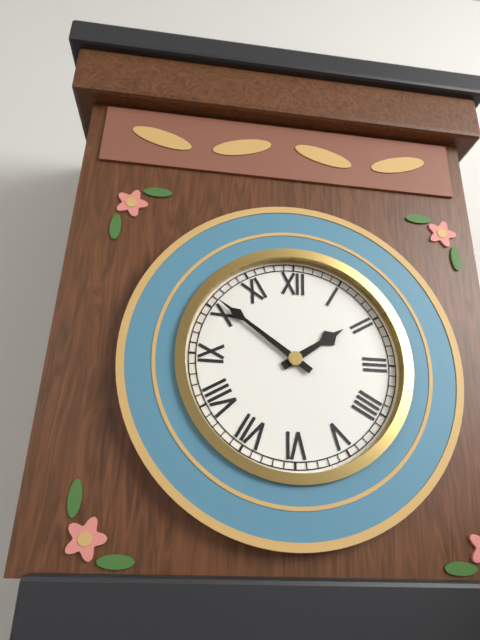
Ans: {"hour": 1, "minute": 51}
